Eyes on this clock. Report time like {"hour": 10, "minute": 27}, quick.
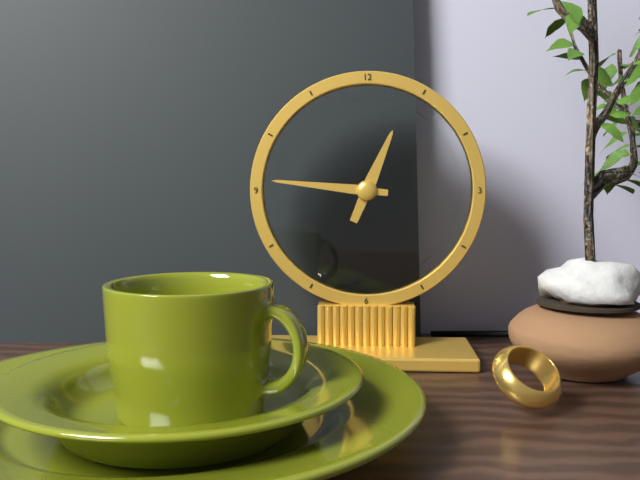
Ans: {"hour": 12, "minute": 46}
